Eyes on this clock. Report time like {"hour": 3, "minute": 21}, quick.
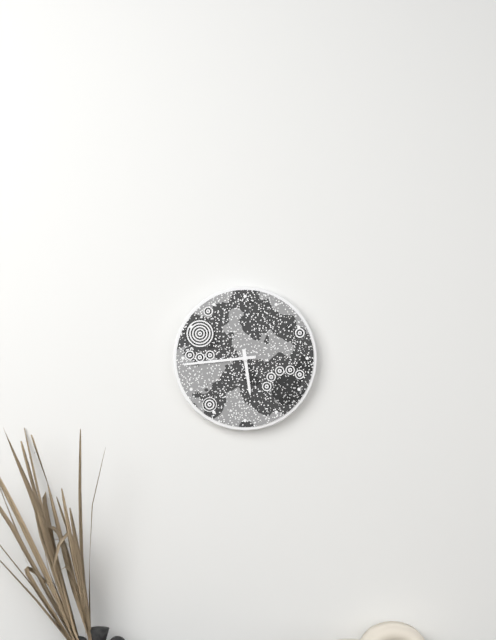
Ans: {"hour": 5, "minute": 44}
